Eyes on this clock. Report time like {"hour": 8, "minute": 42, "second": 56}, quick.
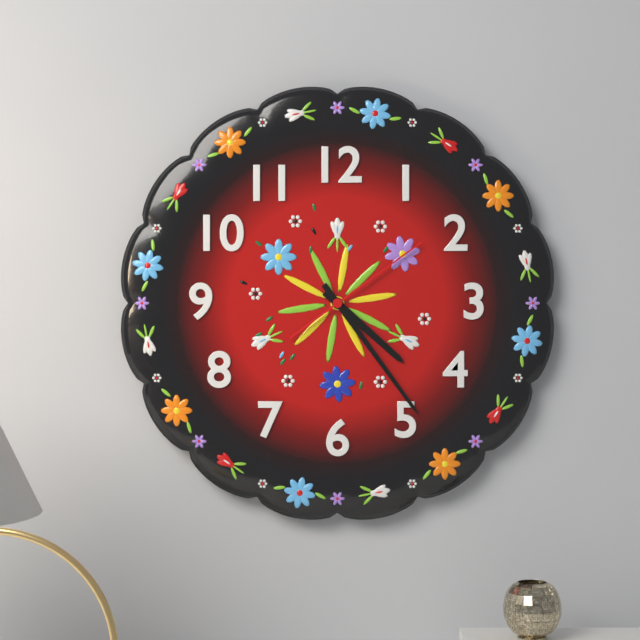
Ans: {"hour": 4, "minute": 24, "second": 9}
